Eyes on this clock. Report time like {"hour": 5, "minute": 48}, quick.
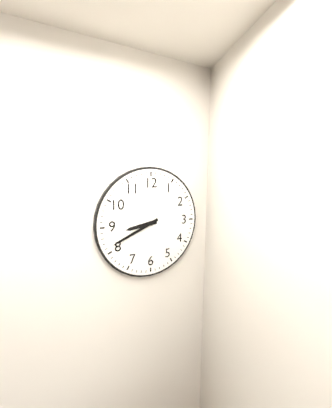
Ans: {"hour": 8, "minute": 41}
